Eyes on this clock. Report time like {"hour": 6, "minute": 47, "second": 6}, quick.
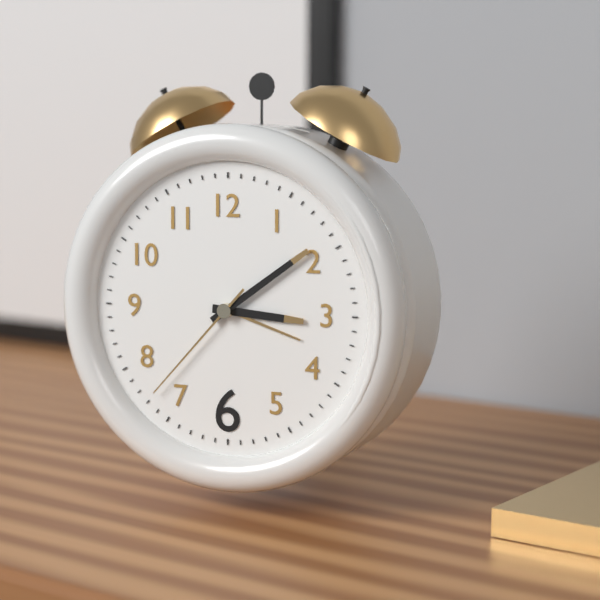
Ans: {"hour": 3, "minute": 9, "second": 37}
